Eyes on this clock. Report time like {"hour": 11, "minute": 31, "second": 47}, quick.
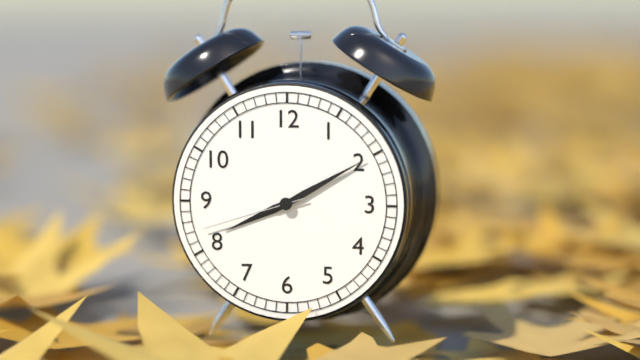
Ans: {"hour": 8, "minute": 10, "second": 42}
